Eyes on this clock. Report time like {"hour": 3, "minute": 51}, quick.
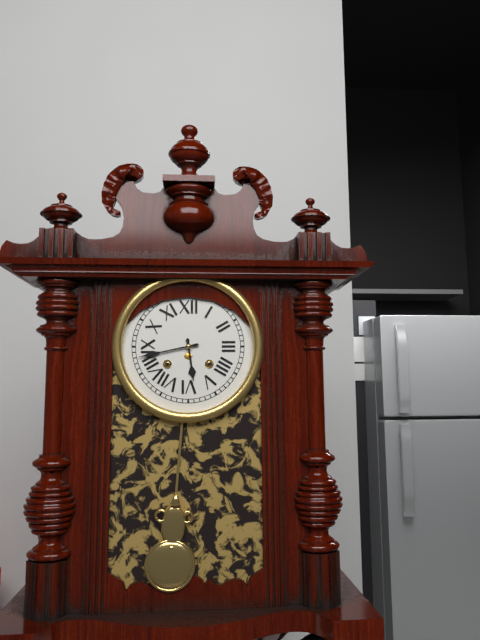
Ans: {"hour": 5, "minute": 43}
